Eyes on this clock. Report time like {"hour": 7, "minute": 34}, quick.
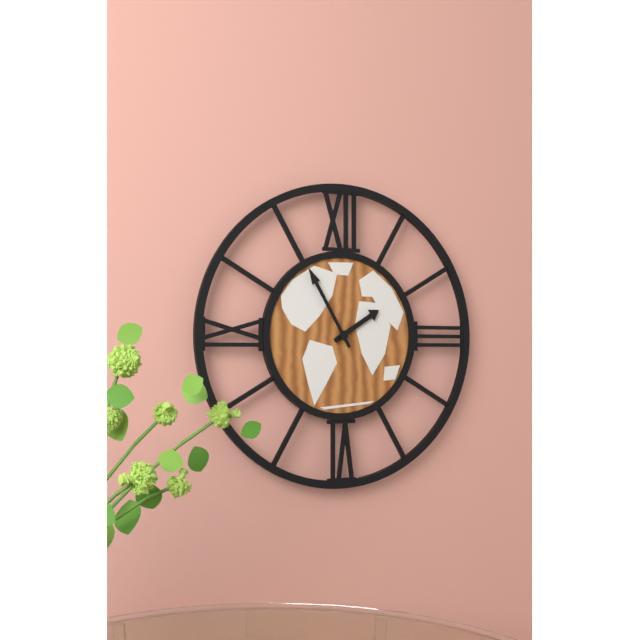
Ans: {"hour": 1, "minute": 55}
